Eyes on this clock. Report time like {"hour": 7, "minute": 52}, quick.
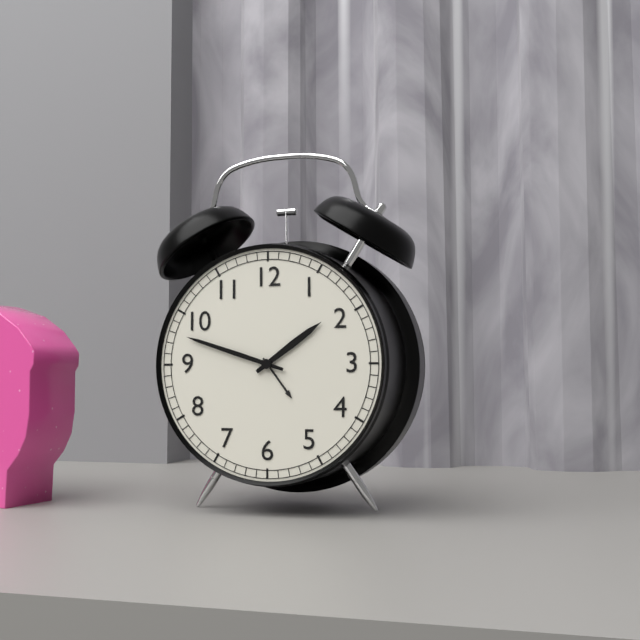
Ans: {"hour": 1, "minute": 48}
